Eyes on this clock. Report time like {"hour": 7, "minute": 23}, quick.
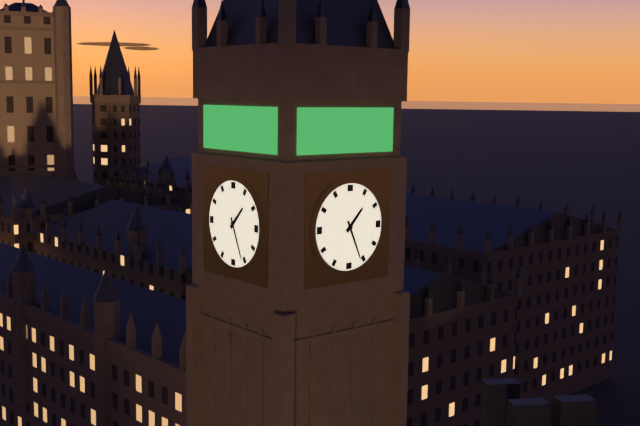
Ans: {"hour": 1, "minute": 26}
